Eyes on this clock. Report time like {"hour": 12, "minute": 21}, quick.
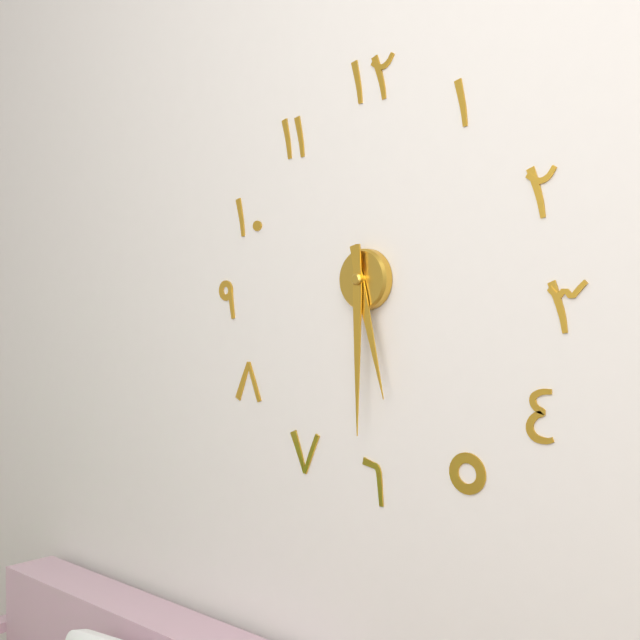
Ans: {"hour": 5, "minute": 30}
